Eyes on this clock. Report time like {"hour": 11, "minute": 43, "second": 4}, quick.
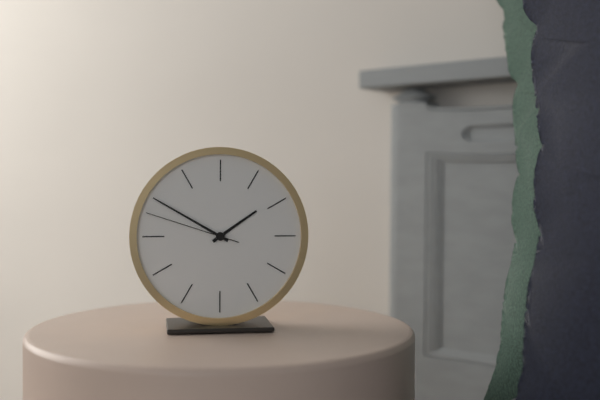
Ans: {"hour": 1, "minute": 50, "second": 48}
